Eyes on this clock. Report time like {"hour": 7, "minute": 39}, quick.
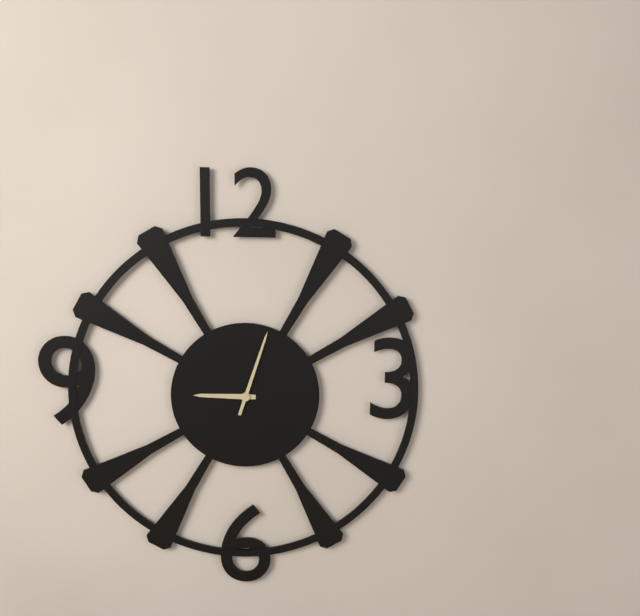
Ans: {"hour": 9, "minute": 3}
